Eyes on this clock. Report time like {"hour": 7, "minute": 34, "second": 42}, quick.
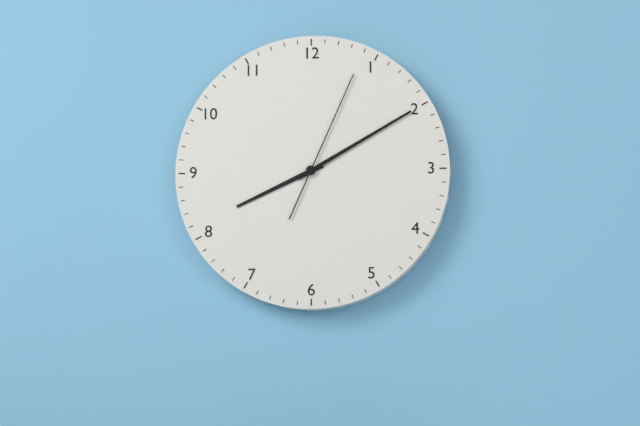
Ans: {"hour": 8, "minute": 10, "second": 4}
